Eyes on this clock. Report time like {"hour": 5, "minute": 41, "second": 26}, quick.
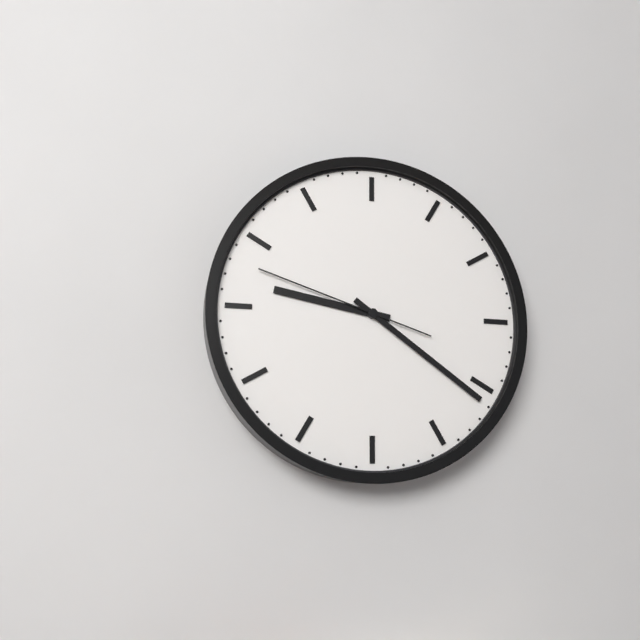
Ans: {"hour": 9, "minute": 21, "second": 48}
